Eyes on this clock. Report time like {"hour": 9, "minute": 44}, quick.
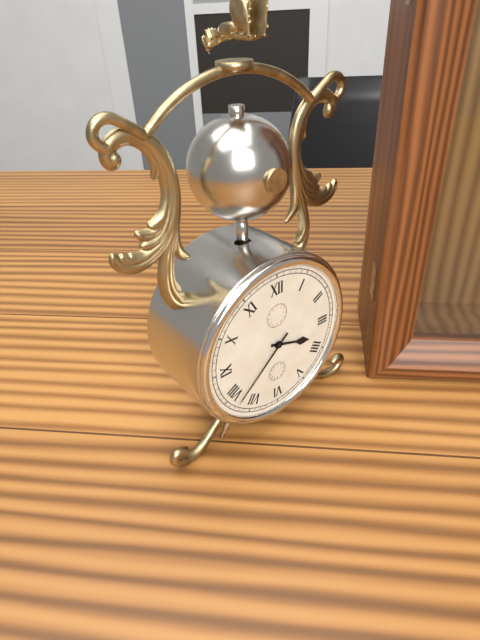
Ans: {"hour": 3, "minute": 38}
